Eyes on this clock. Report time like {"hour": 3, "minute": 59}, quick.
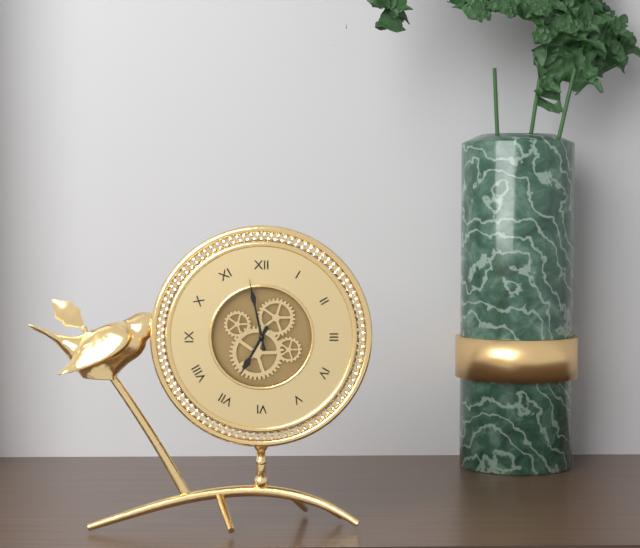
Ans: {"hour": 6, "minute": 58}
